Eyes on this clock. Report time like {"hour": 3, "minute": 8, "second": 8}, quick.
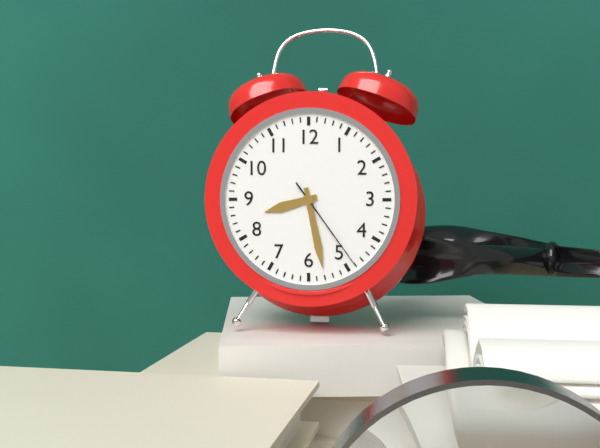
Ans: {"hour": 8, "minute": 28, "second": 24}
